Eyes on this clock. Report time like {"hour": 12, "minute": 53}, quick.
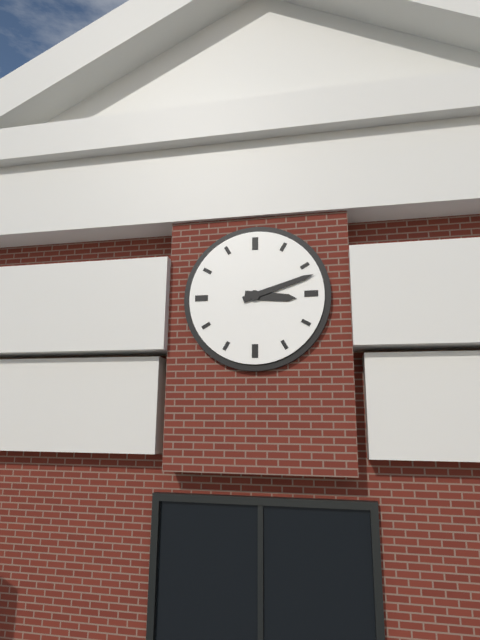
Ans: {"hour": 3, "minute": 12}
